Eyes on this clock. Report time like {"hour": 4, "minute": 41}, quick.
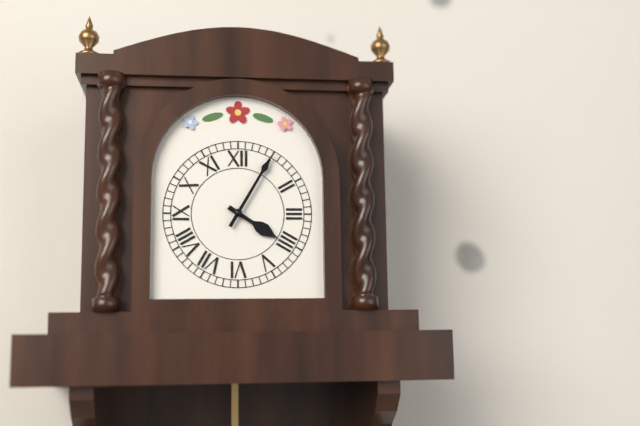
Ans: {"hour": 4, "minute": 5}
